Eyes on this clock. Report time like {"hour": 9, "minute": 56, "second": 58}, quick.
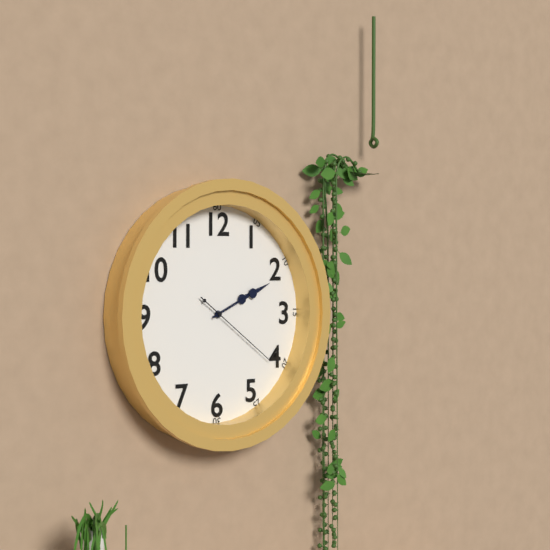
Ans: {"hour": 2, "minute": 11, "second": 21}
